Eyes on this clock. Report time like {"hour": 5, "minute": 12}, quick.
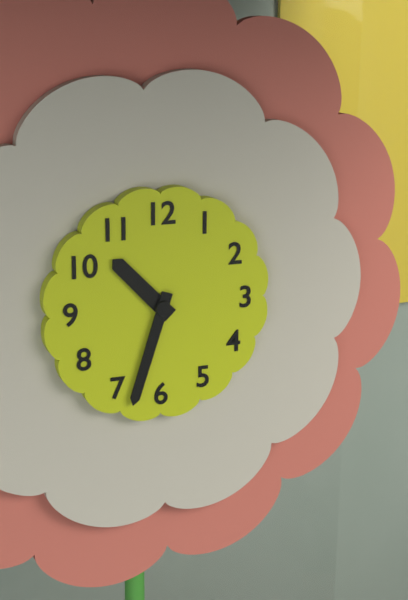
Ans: {"hour": 10, "minute": 33}
